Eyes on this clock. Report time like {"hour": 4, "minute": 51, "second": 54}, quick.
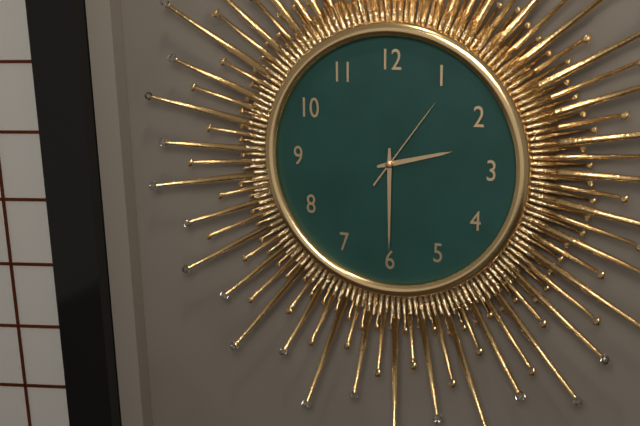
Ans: {"hour": 2, "minute": 30, "second": 6}
